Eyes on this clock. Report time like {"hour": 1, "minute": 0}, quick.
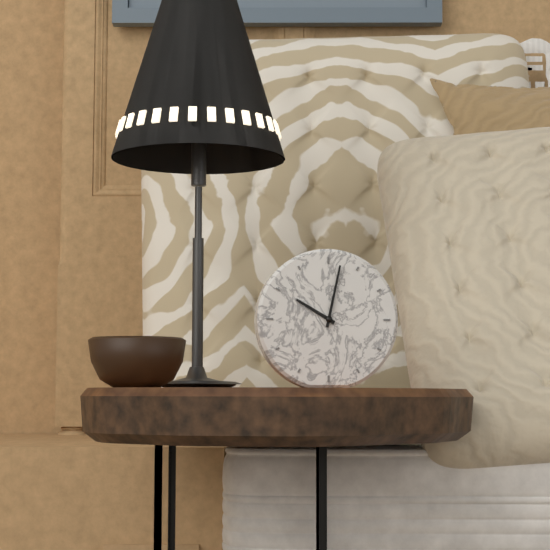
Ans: {"hour": 10, "minute": 2}
